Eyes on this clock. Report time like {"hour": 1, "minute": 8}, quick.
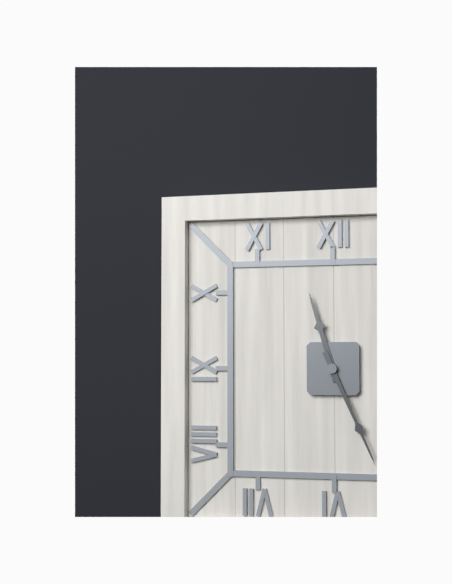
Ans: {"hour": 11, "minute": 26}
